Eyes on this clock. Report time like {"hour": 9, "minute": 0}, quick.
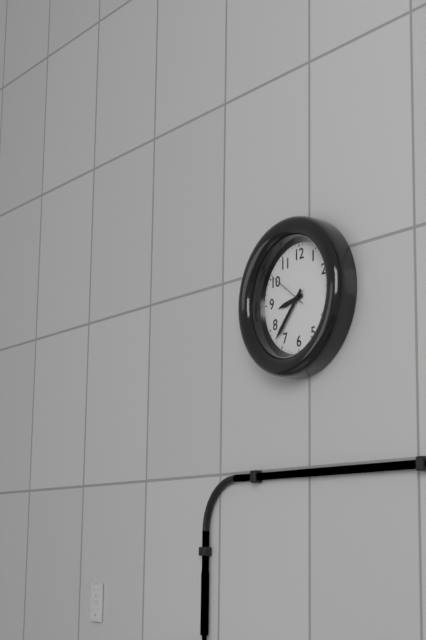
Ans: {"hour": 8, "minute": 37}
